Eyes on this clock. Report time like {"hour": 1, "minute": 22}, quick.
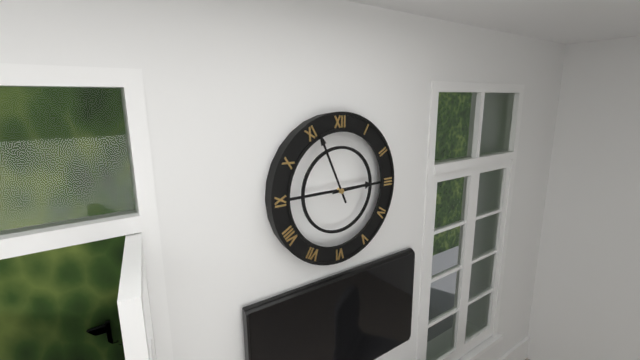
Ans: {"hour": 2, "minute": 56}
